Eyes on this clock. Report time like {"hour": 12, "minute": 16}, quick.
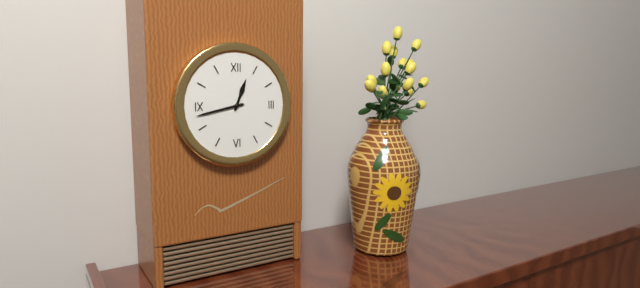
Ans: {"hour": 12, "minute": 43}
